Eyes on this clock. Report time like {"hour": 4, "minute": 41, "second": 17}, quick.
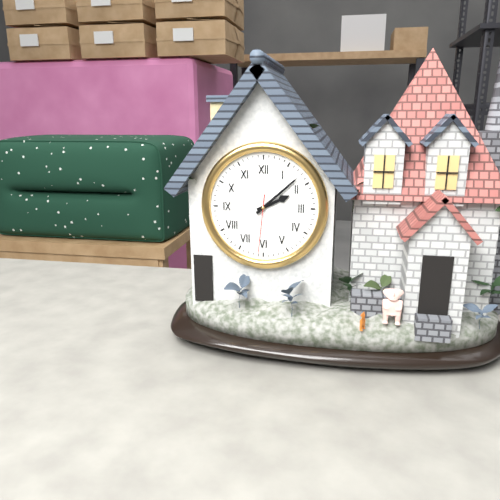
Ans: {"hour": 2, "minute": 8, "second": 31}
